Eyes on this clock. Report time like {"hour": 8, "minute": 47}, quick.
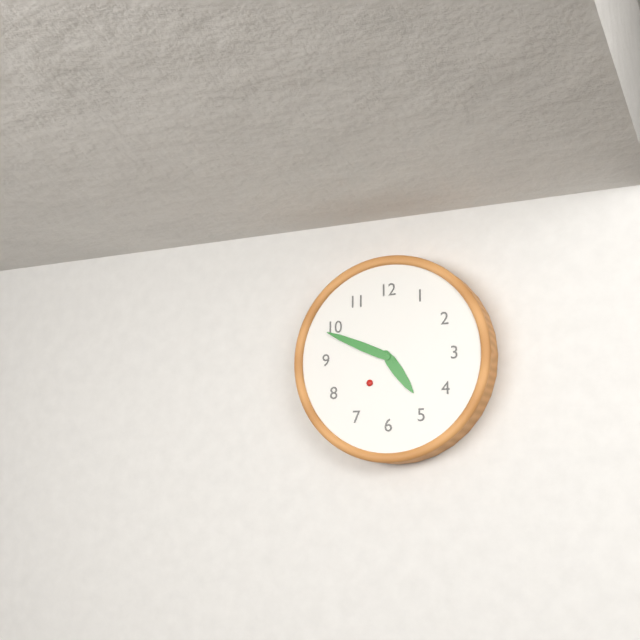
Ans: {"hour": 4, "minute": 49}
